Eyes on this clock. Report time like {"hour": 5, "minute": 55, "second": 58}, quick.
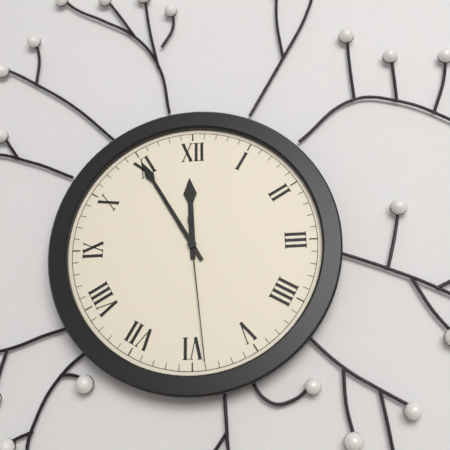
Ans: {"hour": 11, "minute": 55, "second": 29}
